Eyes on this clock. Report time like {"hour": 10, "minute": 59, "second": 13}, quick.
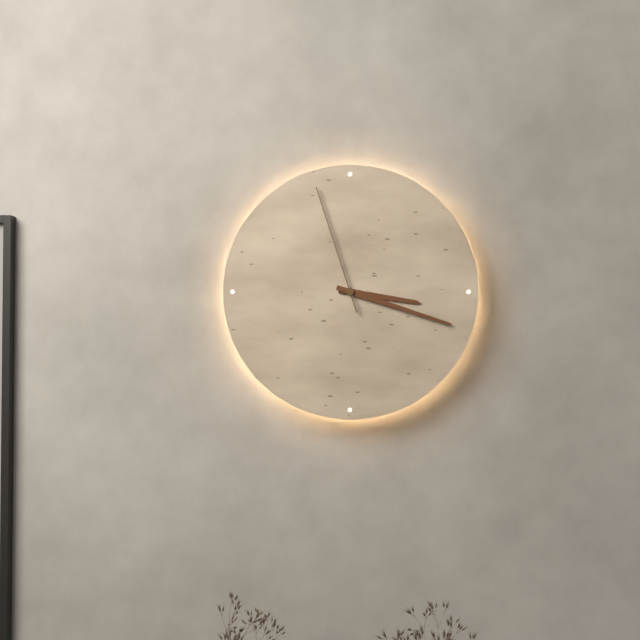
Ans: {"hour": 3, "minute": 18, "second": 57}
